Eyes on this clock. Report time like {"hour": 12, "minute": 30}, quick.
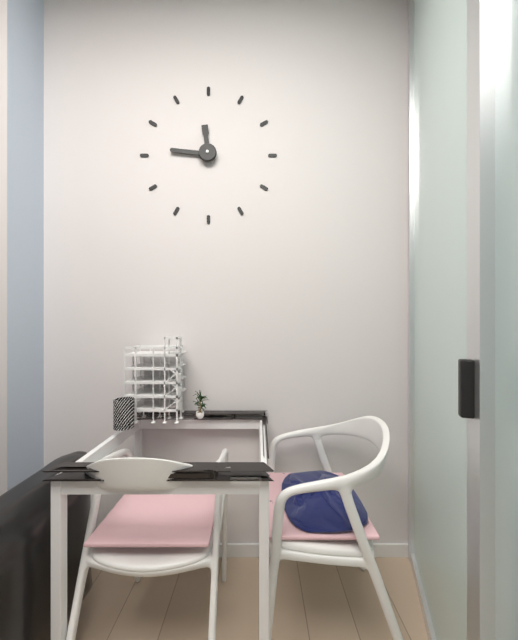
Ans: {"hour": 11, "minute": 46}
